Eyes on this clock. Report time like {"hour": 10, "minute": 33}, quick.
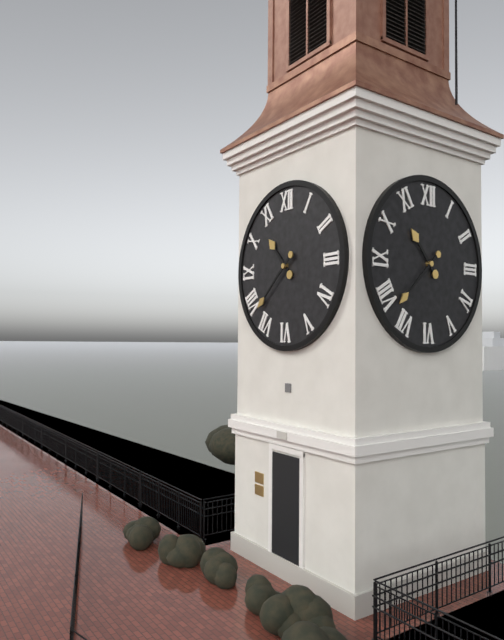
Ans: {"hour": 10, "minute": 38}
